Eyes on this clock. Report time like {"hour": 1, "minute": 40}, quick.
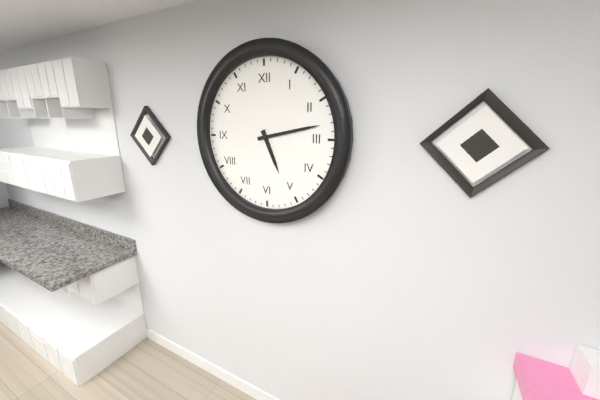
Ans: {"hour": 5, "minute": 13}
